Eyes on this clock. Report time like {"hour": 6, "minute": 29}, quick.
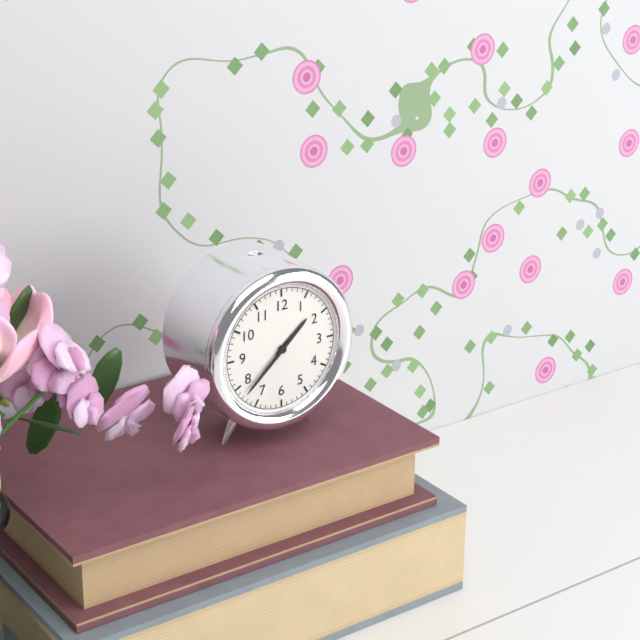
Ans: {"hour": 1, "minute": 38}
